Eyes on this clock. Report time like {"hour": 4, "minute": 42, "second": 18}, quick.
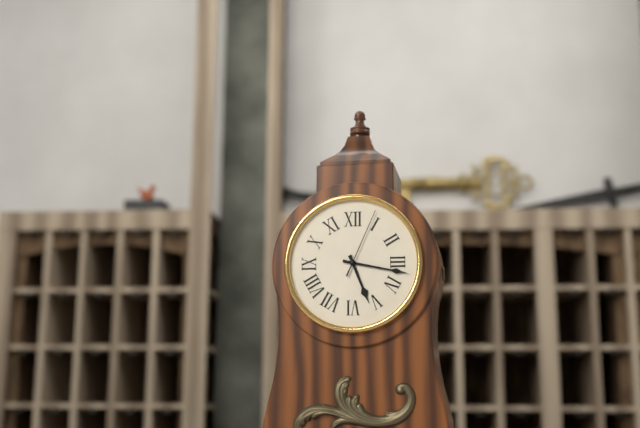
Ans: {"hour": 5, "minute": 17, "second": 4}
